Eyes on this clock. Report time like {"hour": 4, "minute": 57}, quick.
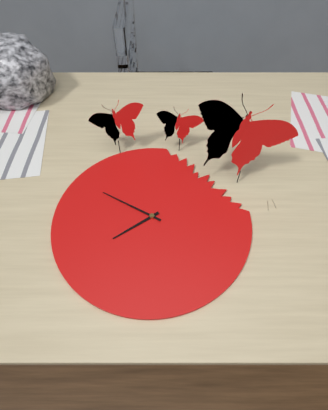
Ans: {"hour": 7, "minute": 50}
